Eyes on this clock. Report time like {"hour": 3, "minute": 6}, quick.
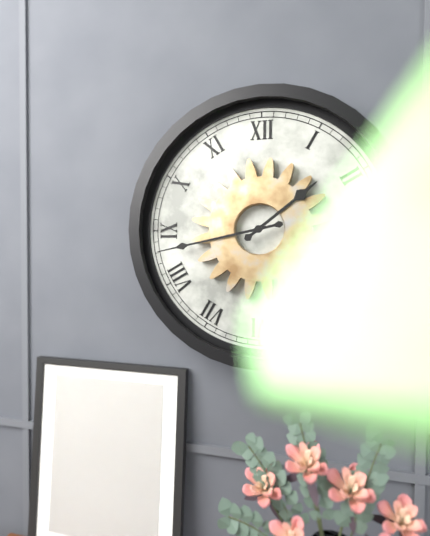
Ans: {"hour": 1, "minute": 43}
